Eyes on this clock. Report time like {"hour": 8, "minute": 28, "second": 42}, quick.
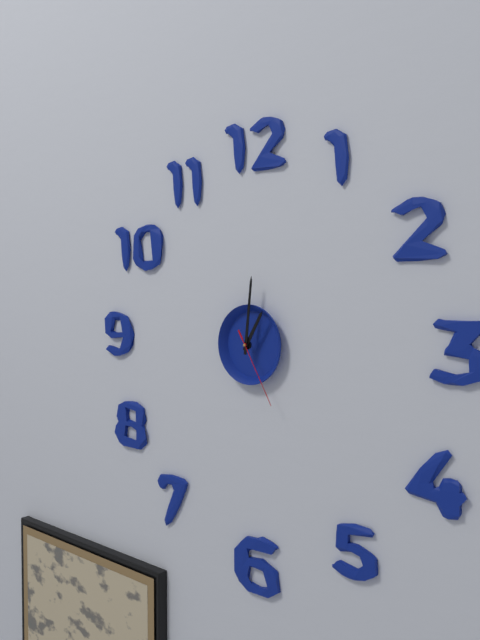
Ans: {"hour": 1, "minute": 1, "second": 25}
